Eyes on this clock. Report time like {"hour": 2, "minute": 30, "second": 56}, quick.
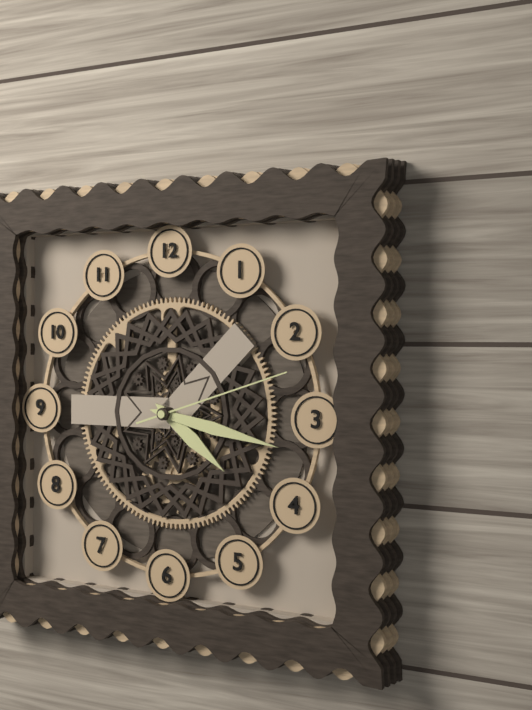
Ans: {"hour": 4, "minute": 17, "second": 12}
